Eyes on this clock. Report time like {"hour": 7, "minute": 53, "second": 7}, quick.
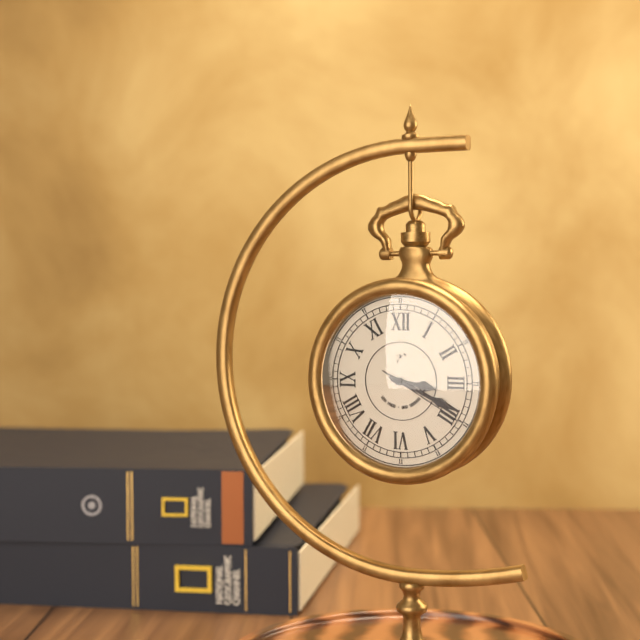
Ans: {"hour": 3, "minute": 19, "second": 20}
